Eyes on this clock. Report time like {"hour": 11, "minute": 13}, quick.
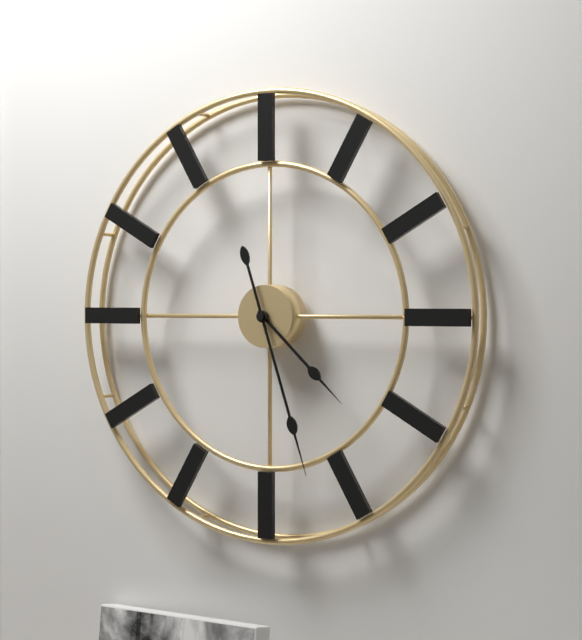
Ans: {"hour": 4, "minute": 27}
